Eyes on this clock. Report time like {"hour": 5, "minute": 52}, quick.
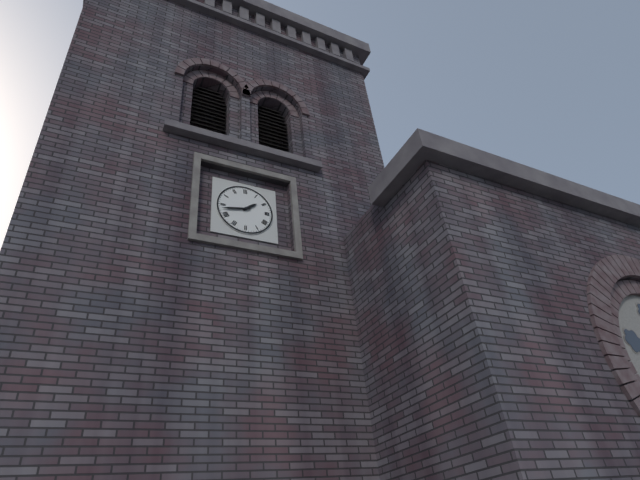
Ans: {"hour": 1, "minute": 43}
